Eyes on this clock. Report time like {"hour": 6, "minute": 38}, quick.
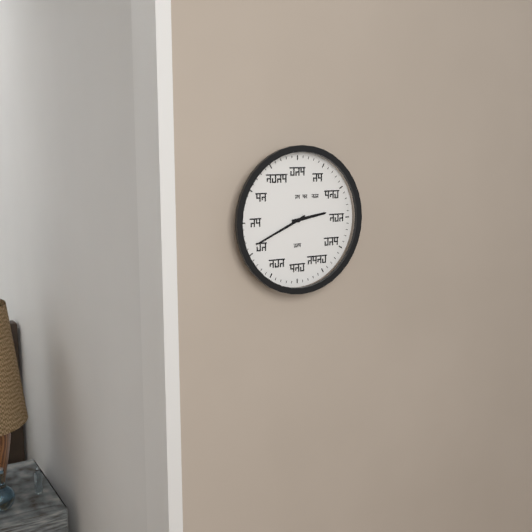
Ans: {"hour": 2, "minute": 41}
